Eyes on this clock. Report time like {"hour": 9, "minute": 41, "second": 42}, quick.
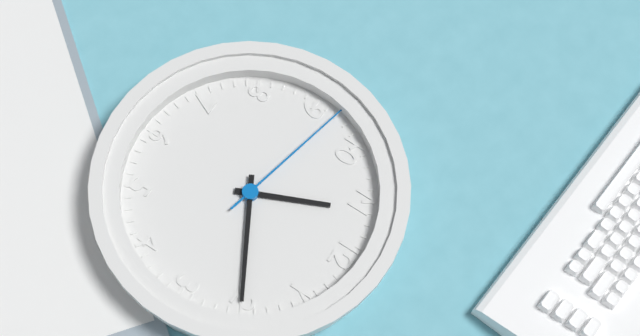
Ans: {"hour": 11, "minute": 10, "second": 47}
